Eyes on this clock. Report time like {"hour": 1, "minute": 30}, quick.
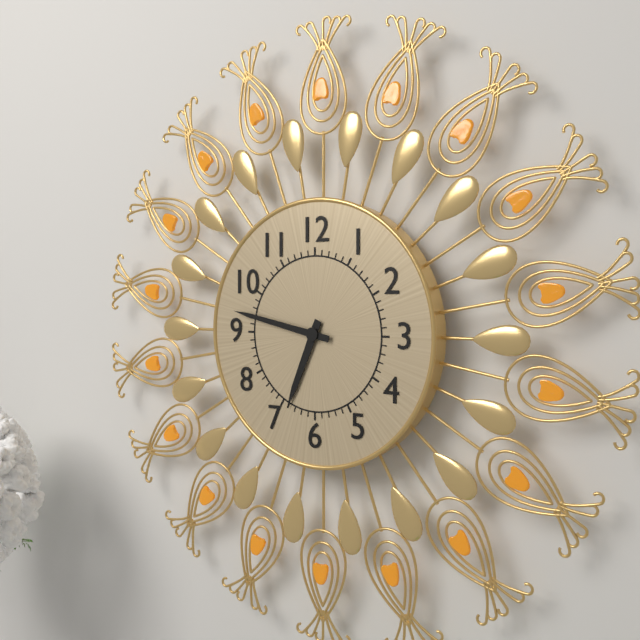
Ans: {"hour": 6, "minute": 47}
